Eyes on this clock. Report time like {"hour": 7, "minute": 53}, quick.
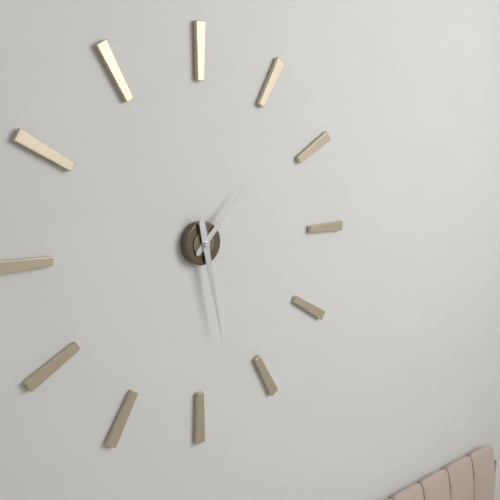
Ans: {"hour": 1, "minute": 28}
